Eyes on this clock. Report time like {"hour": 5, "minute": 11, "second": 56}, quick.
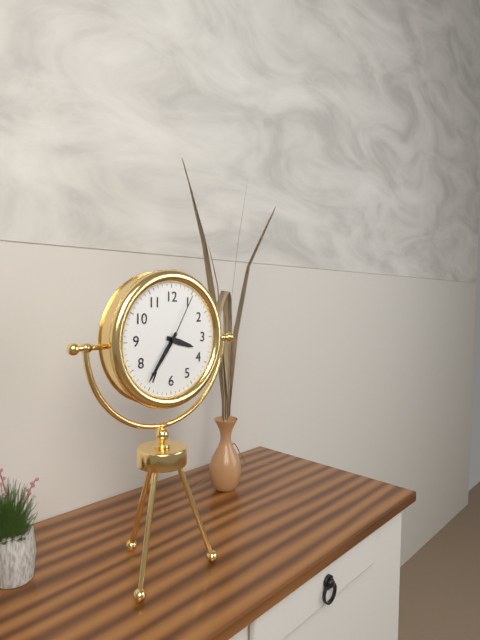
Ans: {"hour": 3, "minute": 36, "second": 5}
